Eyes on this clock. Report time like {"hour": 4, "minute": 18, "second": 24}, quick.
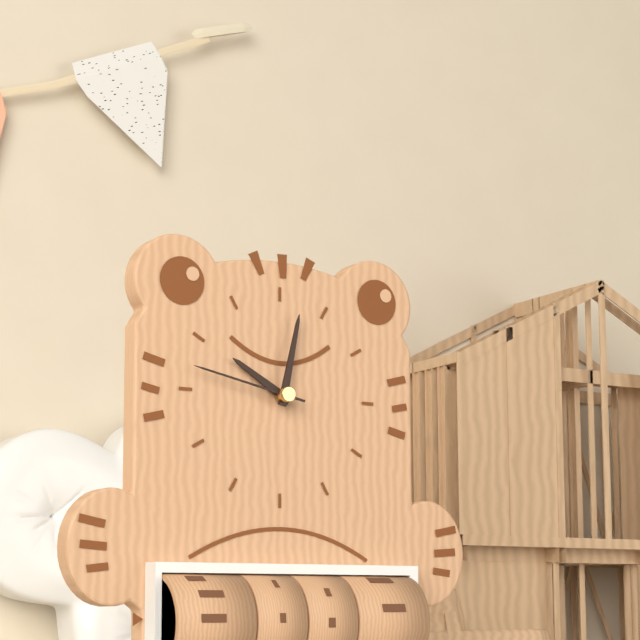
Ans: {"hour": 10, "minute": 2, "second": 47}
